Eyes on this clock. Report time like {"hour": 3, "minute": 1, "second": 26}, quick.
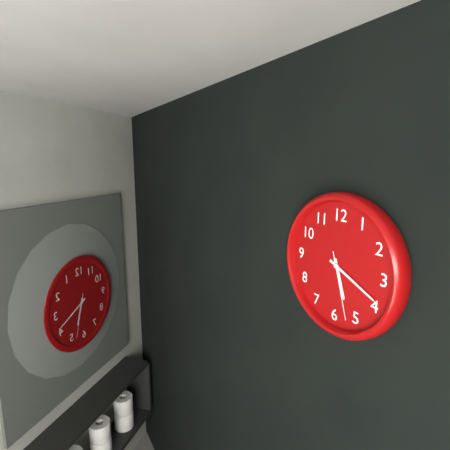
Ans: {"hour": 5, "minute": 19, "second": 27}
